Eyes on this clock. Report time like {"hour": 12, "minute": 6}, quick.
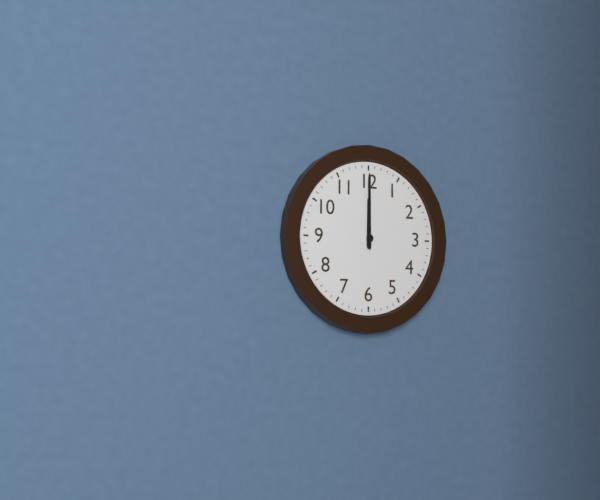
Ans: {"hour": 12, "minute": 0}
